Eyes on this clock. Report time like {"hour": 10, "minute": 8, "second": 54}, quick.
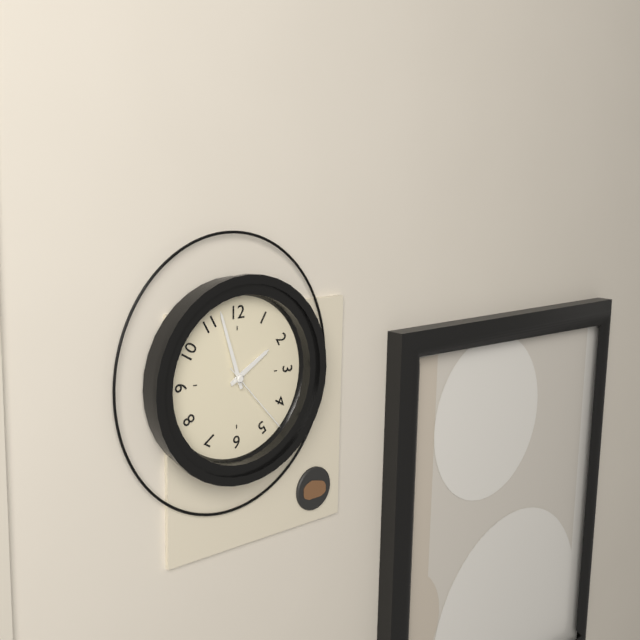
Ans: {"hour": 1, "minute": 57, "second": 23}
